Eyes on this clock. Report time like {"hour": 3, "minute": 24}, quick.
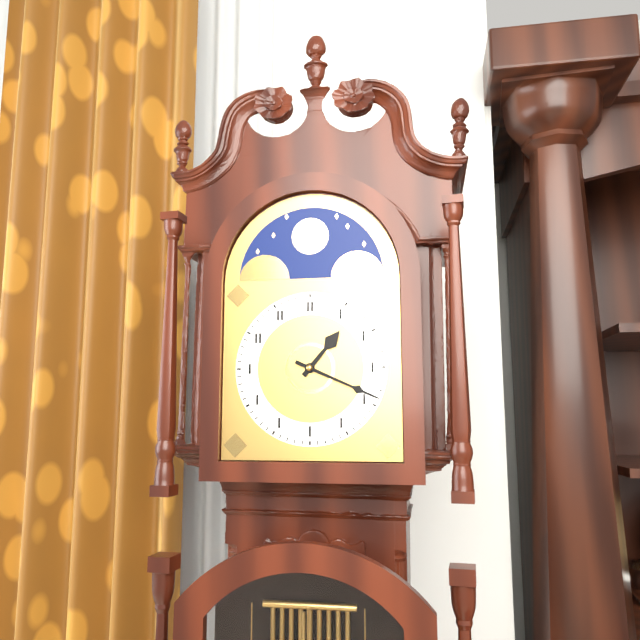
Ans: {"hour": 1, "minute": 19}
